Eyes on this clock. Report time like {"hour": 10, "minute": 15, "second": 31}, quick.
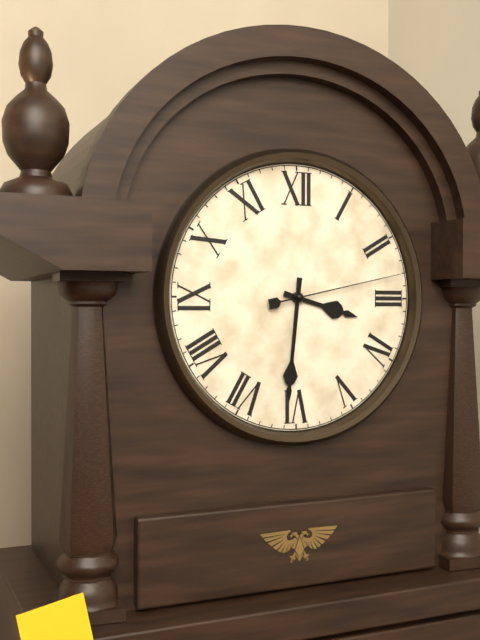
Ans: {"hour": 3, "minute": 31, "second": 13}
